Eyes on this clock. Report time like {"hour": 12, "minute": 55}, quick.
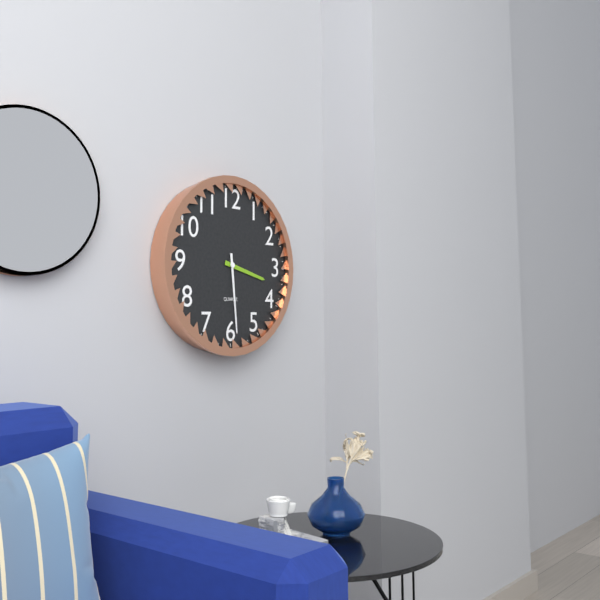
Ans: {"hour": 3, "minute": 29}
